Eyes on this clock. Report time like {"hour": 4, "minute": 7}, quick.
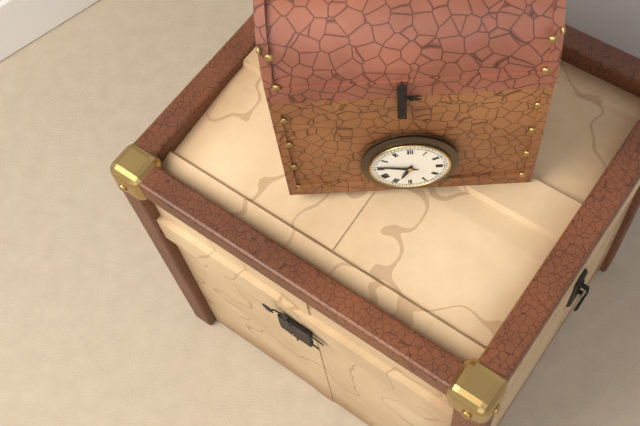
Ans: {"hour": 6, "minute": 47}
